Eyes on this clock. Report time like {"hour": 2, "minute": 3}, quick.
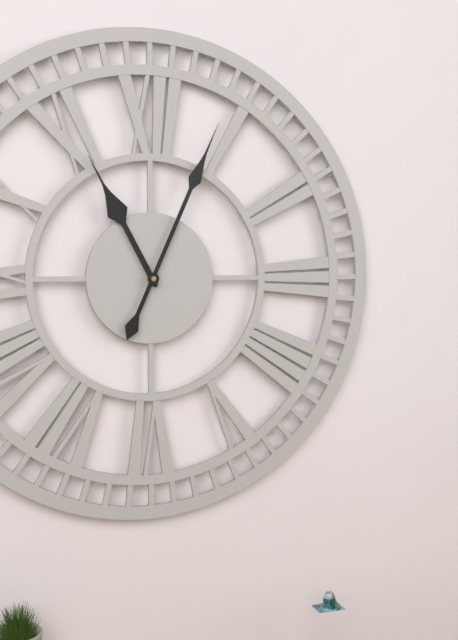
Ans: {"hour": 11, "minute": 4}
